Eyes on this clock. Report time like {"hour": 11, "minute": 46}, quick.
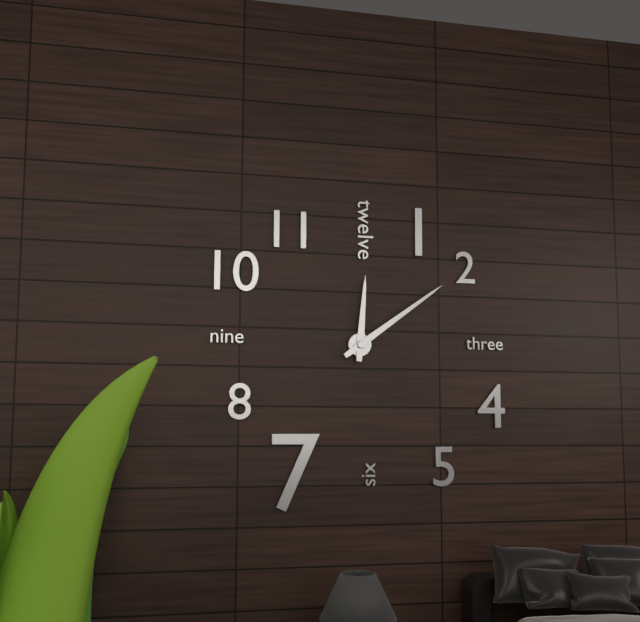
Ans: {"hour": 12, "minute": 9}
